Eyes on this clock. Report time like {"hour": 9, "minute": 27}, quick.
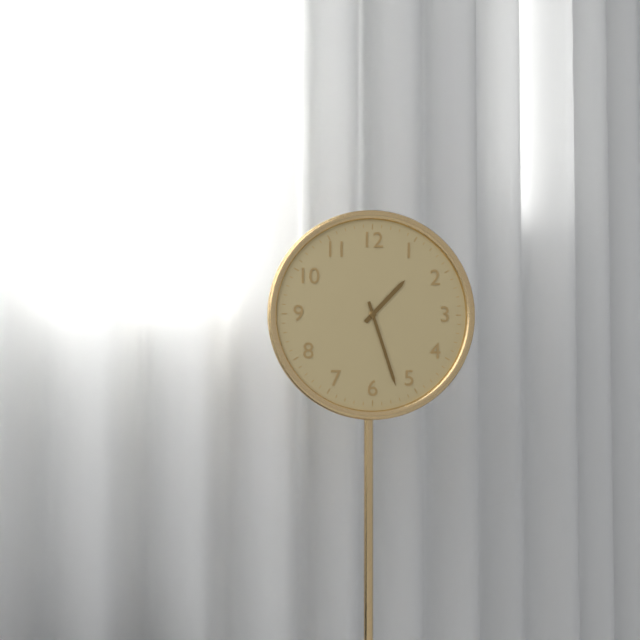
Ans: {"hour": 1, "minute": 27}
